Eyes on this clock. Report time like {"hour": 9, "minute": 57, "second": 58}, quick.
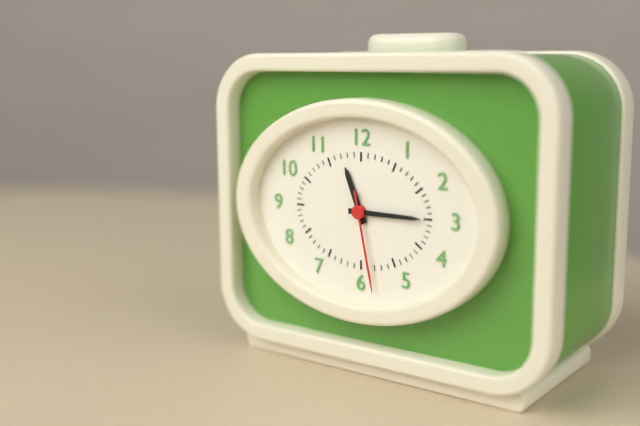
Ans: {"hour": 11, "minute": 15, "second": 28}
